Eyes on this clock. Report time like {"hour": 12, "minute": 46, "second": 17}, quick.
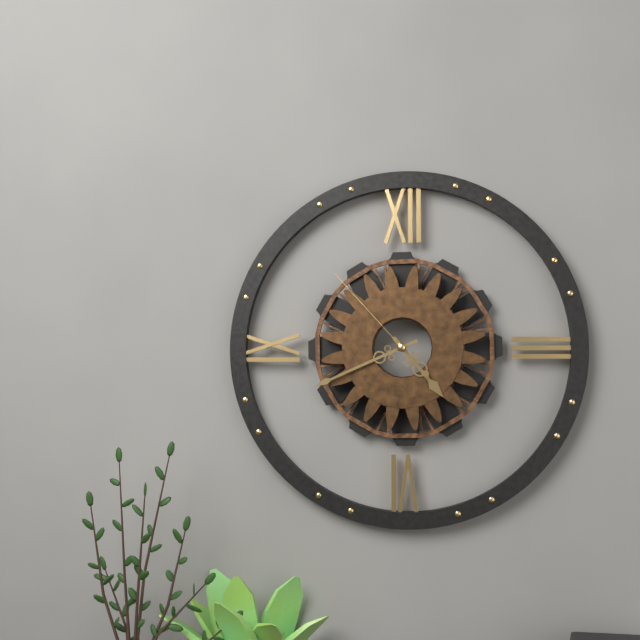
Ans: {"hour": 4, "minute": 41, "second": 53}
